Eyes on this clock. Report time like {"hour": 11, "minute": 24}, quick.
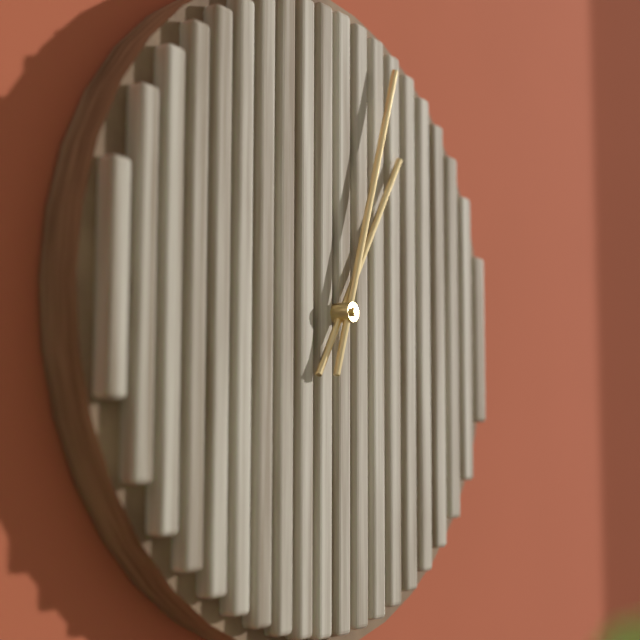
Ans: {"hour": 1, "minute": 3}
